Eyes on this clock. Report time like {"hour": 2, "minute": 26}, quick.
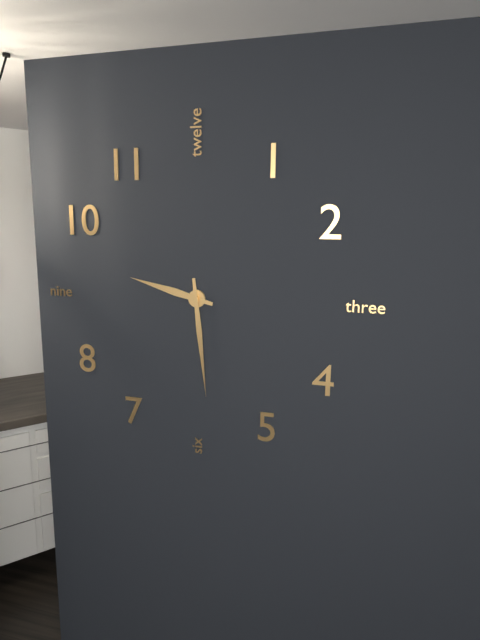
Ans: {"hour": 9, "minute": 29}
